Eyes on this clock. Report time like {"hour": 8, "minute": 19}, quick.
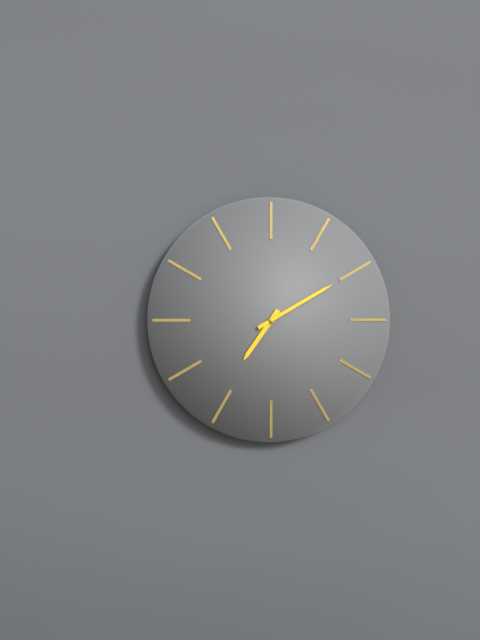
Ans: {"hour": 7, "minute": 10}
